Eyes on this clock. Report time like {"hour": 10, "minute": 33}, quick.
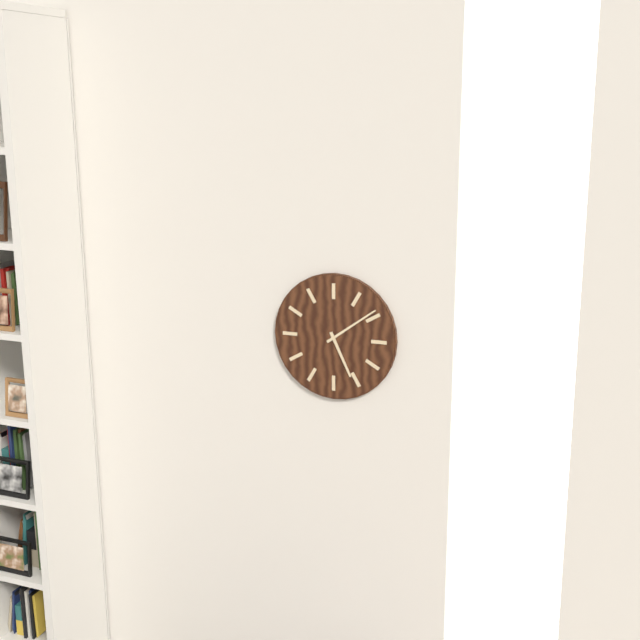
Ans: {"hour": 5, "minute": 9}
